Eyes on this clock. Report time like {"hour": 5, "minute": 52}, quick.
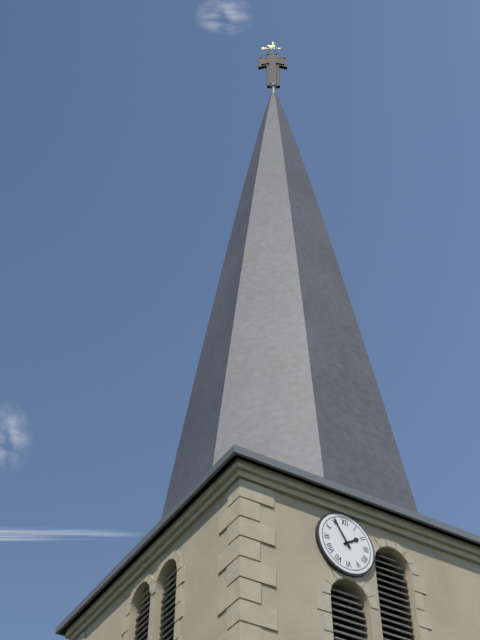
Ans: {"hour": 1, "minute": 55}
